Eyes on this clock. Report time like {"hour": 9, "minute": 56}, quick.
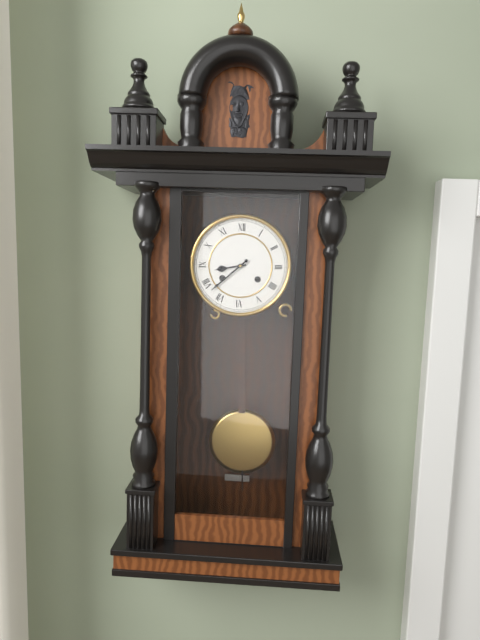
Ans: {"hour": 8, "minute": 38}
